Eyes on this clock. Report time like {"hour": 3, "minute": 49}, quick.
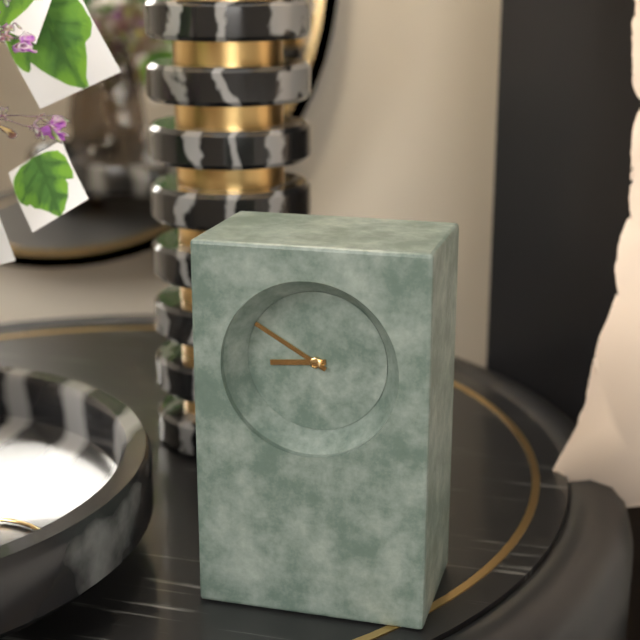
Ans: {"hour": 8, "minute": 50}
